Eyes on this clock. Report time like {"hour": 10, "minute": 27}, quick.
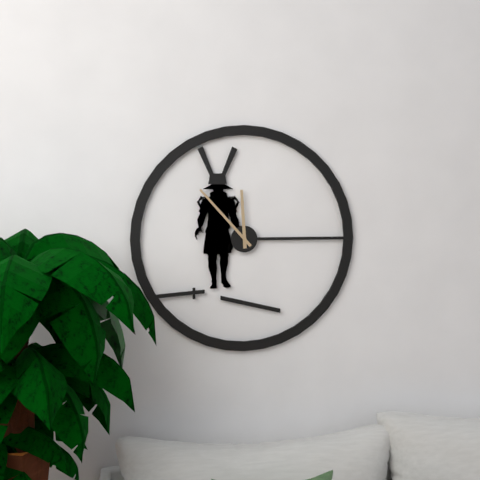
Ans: {"hour": 11, "minute": 53}
